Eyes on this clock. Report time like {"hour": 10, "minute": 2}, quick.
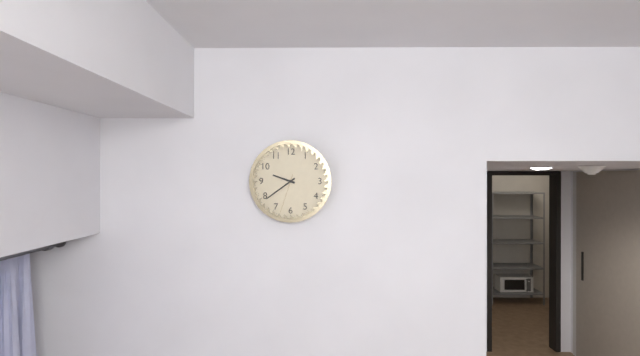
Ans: {"hour": 9, "minute": 39}
